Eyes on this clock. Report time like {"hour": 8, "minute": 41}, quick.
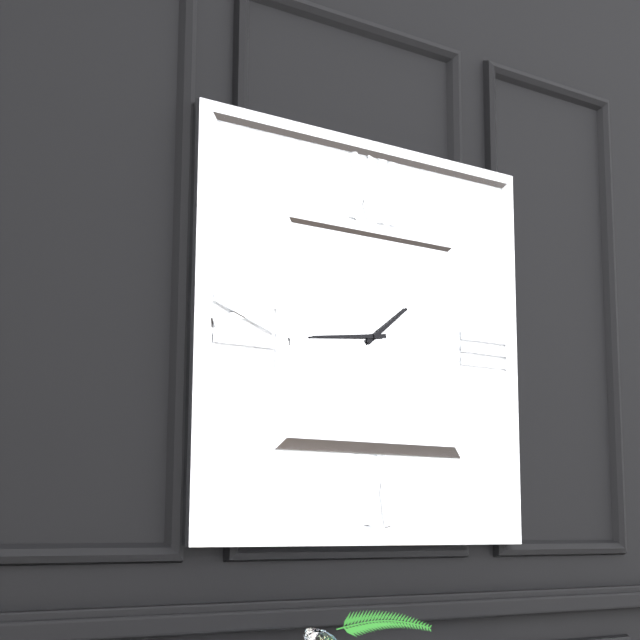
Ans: {"hour": 1, "minute": 44}
